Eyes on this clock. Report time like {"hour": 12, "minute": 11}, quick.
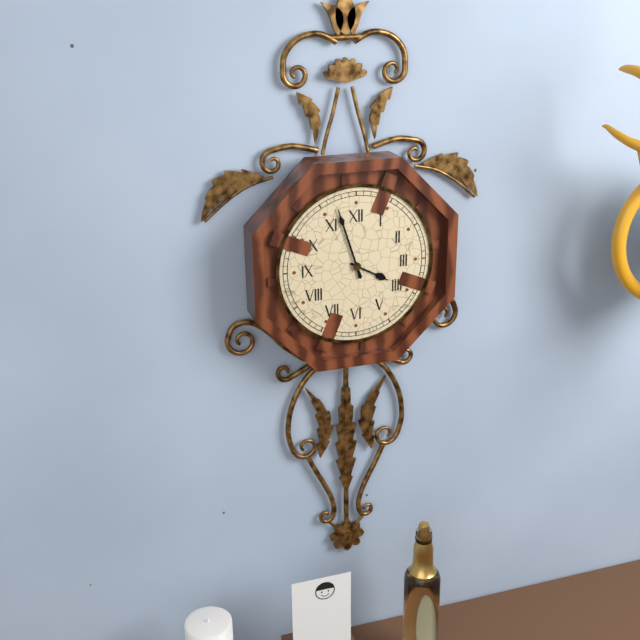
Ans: {"hour": 3, "minute": 57}
